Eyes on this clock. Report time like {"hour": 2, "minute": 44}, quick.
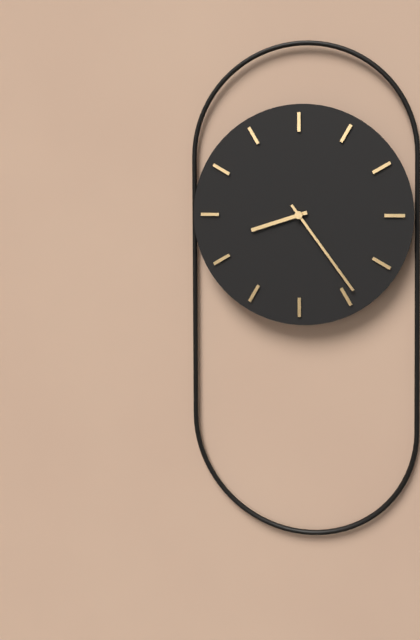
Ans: {"hour": 8, "minute": 24}
